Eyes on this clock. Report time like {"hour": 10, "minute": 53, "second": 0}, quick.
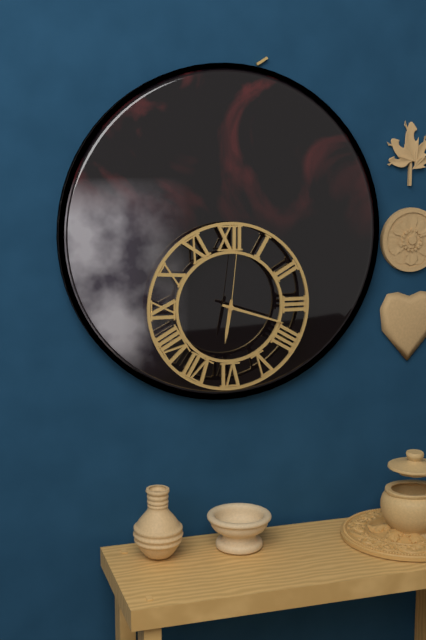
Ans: {"hour": 6, "minute": 18, "second": 1}
